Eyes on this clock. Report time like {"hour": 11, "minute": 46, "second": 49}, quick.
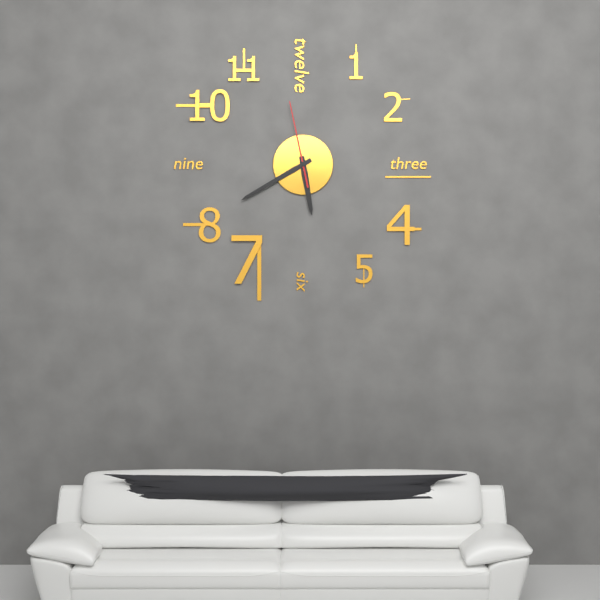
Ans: {"hour": 5, "minute": 40, "second": 58}
